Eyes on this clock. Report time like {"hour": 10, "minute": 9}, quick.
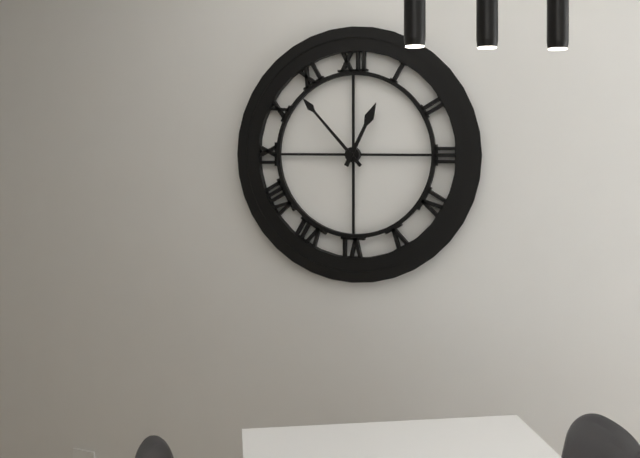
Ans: {"hour": 12, "minute": 53}
